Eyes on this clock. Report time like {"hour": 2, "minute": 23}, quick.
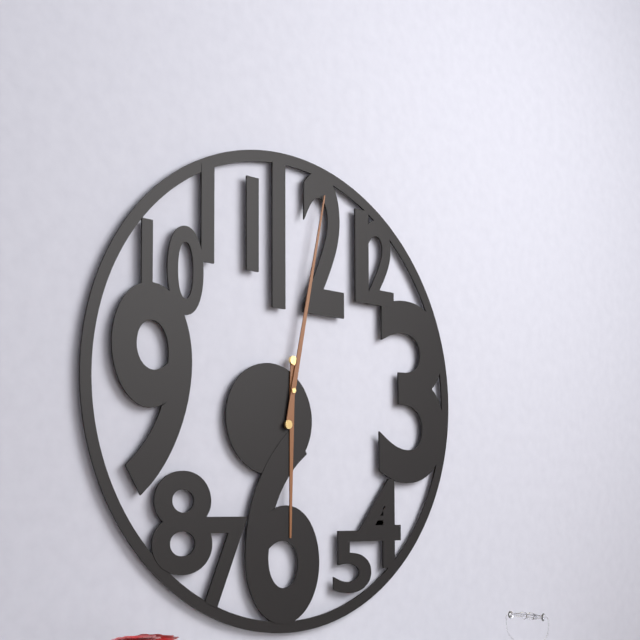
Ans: {"hour": 6, "minute": 2}
